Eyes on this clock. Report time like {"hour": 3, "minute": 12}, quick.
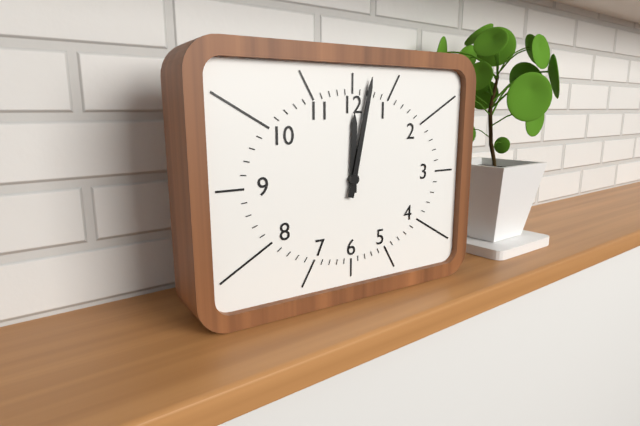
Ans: {"hour": 12, "minute": 2}
